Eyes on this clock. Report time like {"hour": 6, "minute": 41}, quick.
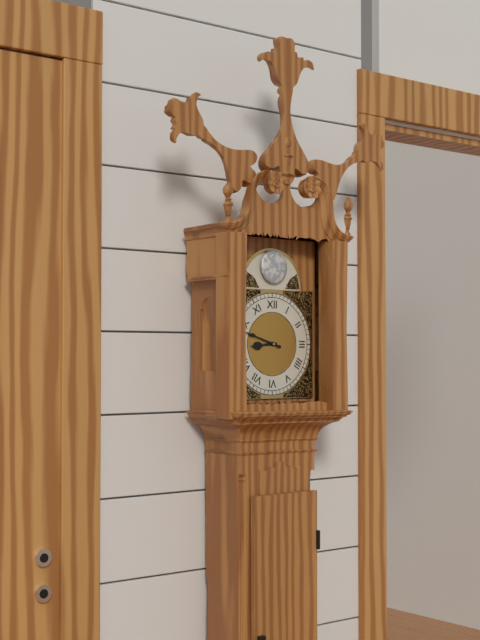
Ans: {"hour": 8, "minute": 48}
